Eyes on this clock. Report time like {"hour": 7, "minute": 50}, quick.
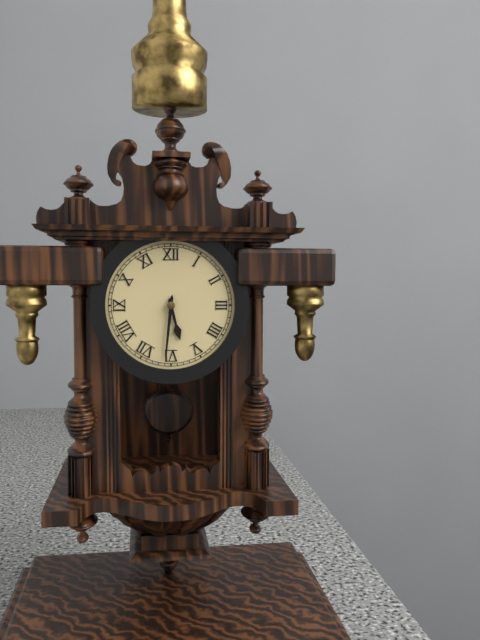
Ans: {"hour": 5, "minute": 31}
